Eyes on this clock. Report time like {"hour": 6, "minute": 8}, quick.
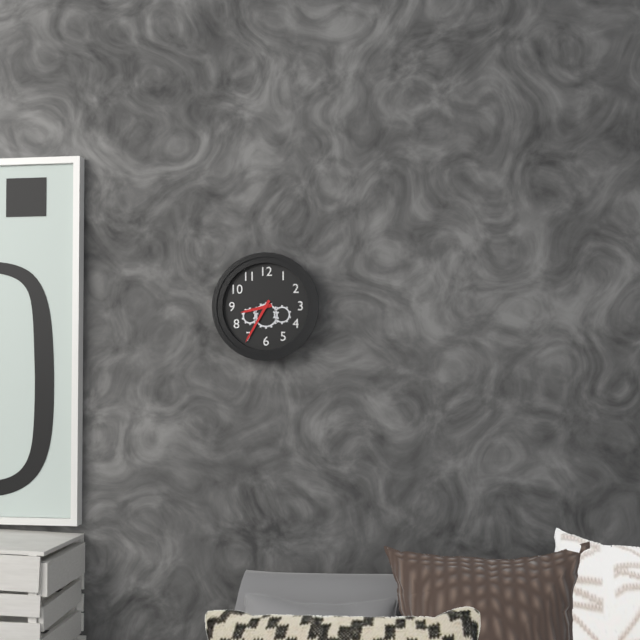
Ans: {"hour": 8, "minute": 35}
